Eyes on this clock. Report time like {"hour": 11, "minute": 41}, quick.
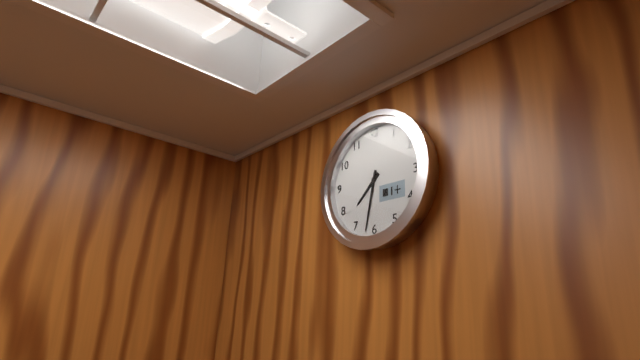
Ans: {"hour": 7, "minute": 32}
